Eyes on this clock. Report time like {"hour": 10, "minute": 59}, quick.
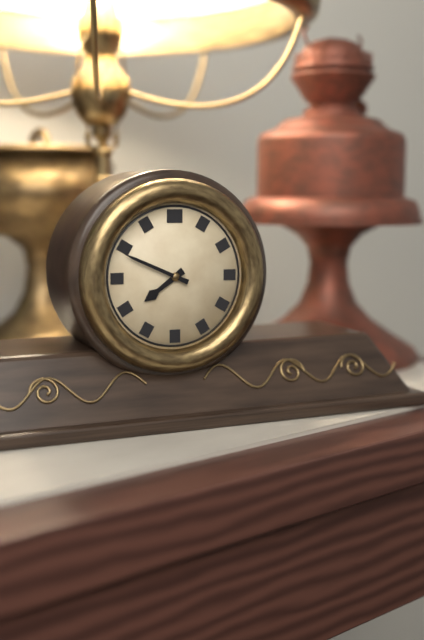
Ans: {"hour": 7, "minute": 49}
